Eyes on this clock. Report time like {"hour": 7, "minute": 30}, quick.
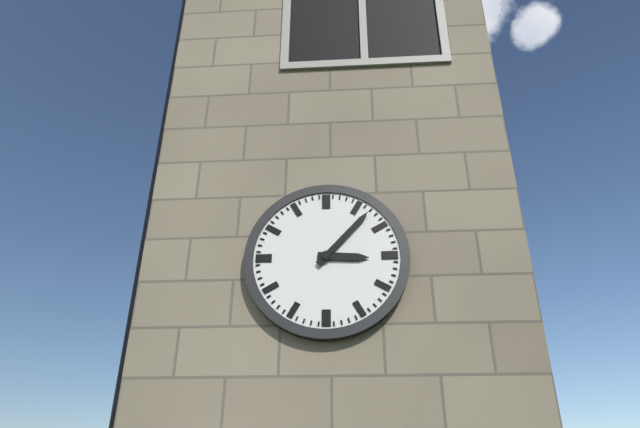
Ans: {"hour": 3, "minute": 7}
